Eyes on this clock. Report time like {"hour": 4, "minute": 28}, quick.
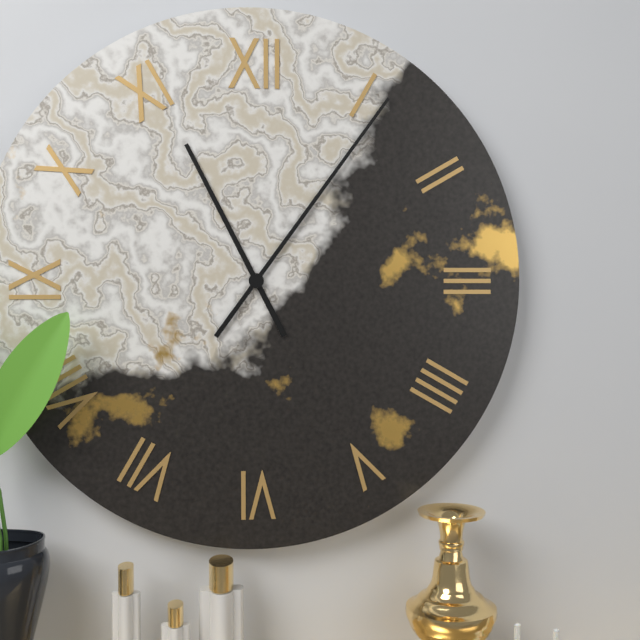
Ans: {"hour": 11, "minute": 6}
